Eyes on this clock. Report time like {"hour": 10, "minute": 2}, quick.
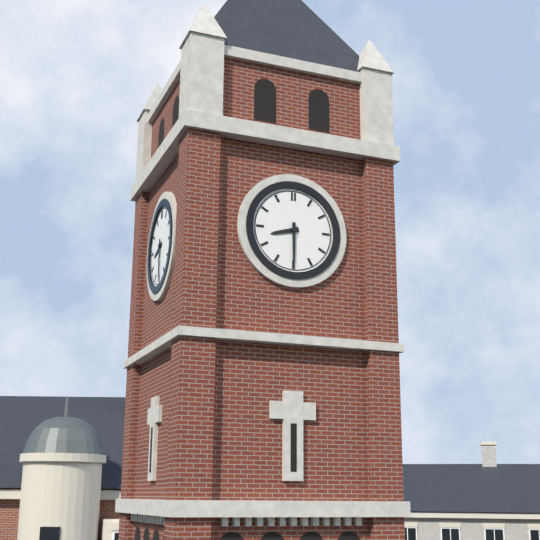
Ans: {"hour": 8, "minute": 30}
